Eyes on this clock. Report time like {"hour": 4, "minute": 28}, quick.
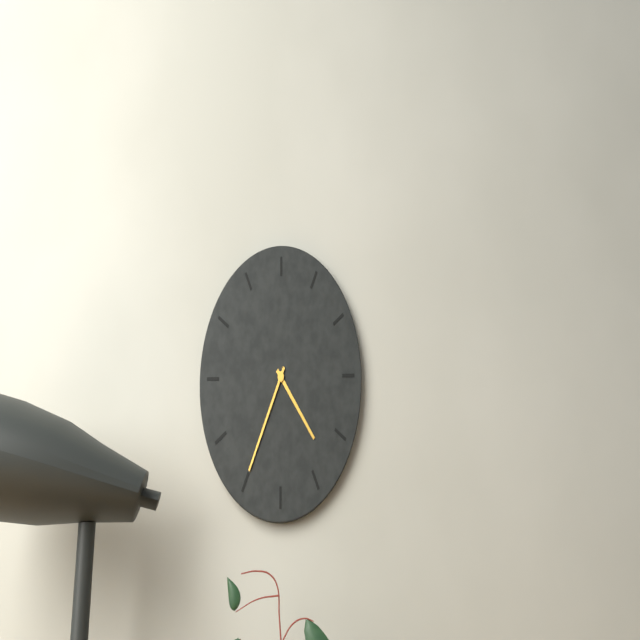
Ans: {"hour": 4, "minute": 35}
